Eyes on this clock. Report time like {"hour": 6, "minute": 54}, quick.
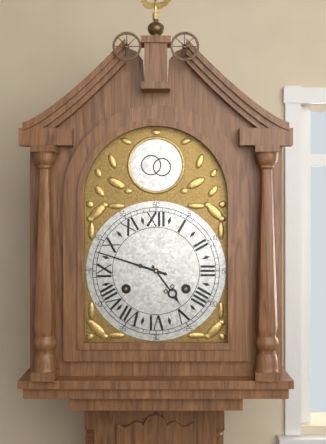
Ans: {"hour": 4, "minute": 48}
